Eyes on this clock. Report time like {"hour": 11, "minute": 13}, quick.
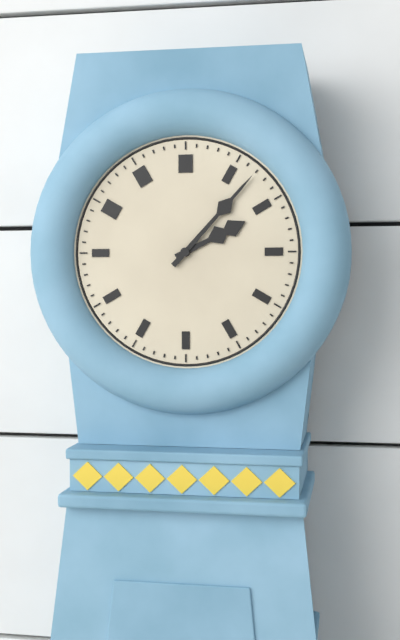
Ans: {"hour": 2, "minute": 7}
